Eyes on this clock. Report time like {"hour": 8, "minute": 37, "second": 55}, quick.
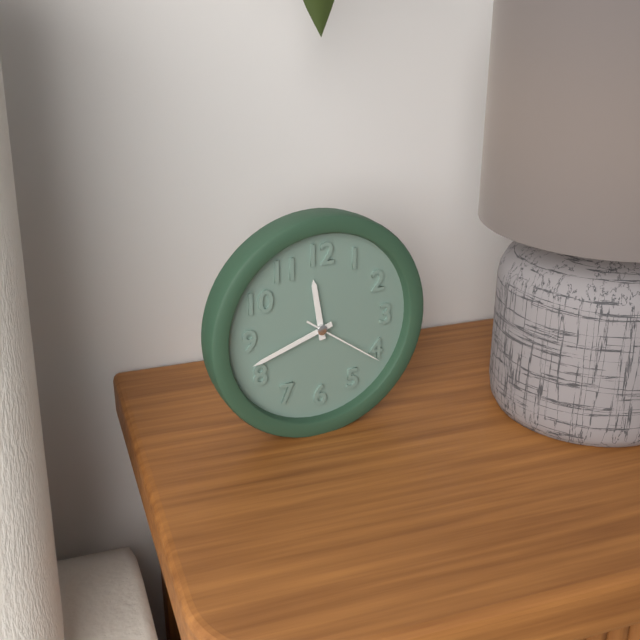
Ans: {"hour": 11, "minute": 42, "second": 21}
